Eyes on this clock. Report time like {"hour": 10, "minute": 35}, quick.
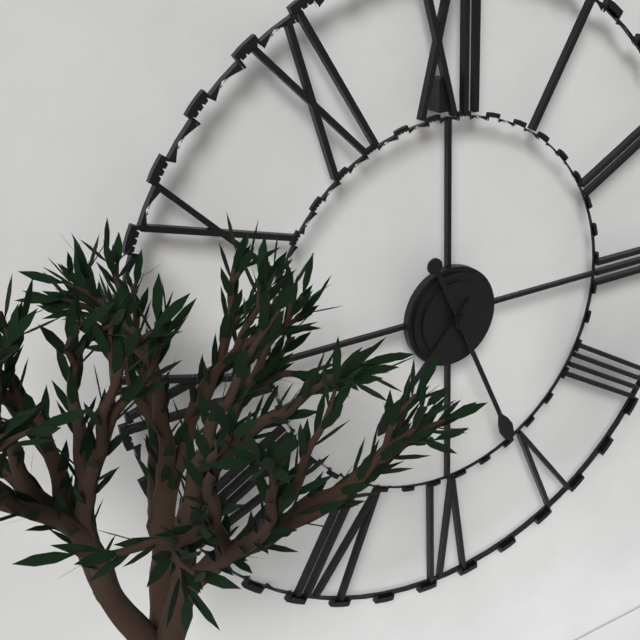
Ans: {"hour": 7, "minute": 26}
